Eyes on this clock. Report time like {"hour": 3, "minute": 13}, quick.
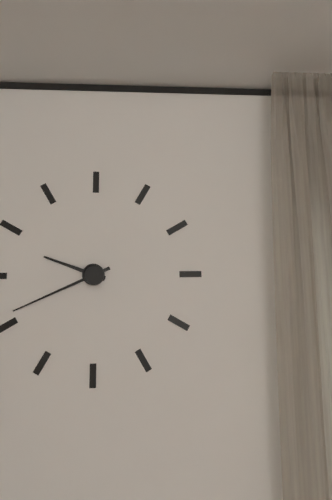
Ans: {"hour": 9, "minute": 41}
